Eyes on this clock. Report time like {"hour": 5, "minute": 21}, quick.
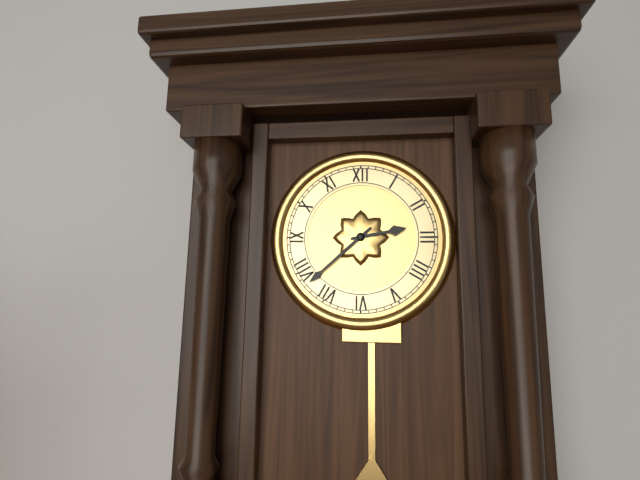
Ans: {"hour": 2, "minute": 38}
